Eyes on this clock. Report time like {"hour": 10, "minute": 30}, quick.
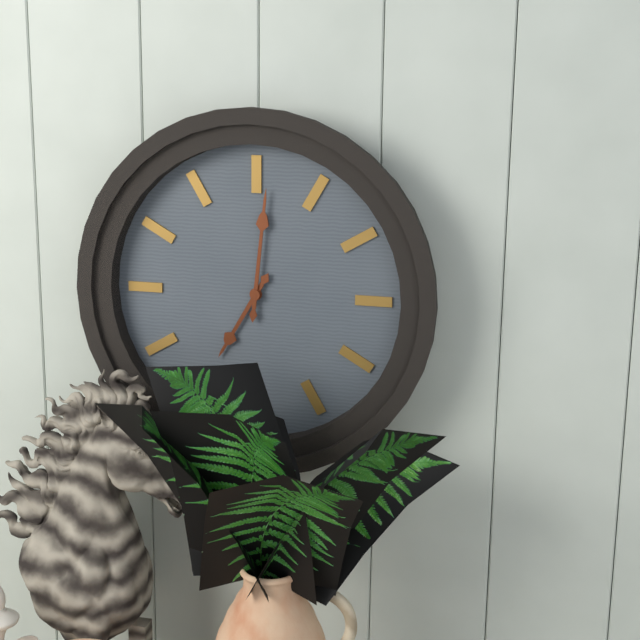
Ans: {"hour": 7, "minute": 1}
